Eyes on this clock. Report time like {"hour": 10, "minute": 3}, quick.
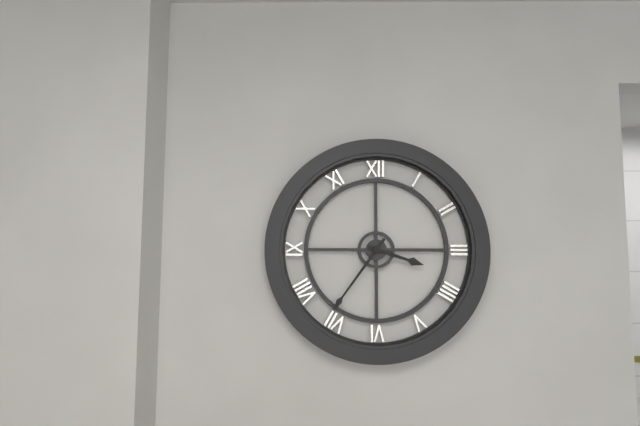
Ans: {"hour": 3, "minute": 36}
